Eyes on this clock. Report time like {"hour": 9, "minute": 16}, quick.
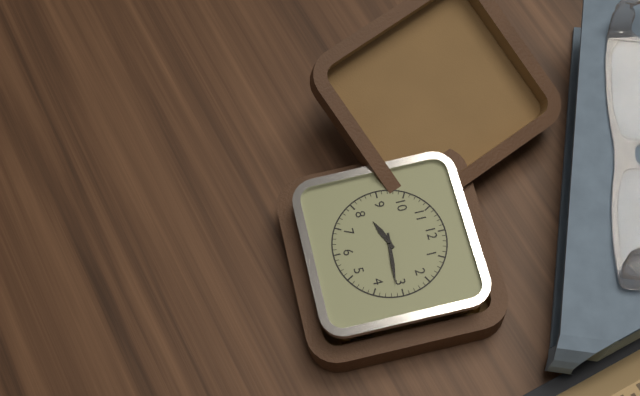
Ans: {"hour": 8, "minute": 16}
